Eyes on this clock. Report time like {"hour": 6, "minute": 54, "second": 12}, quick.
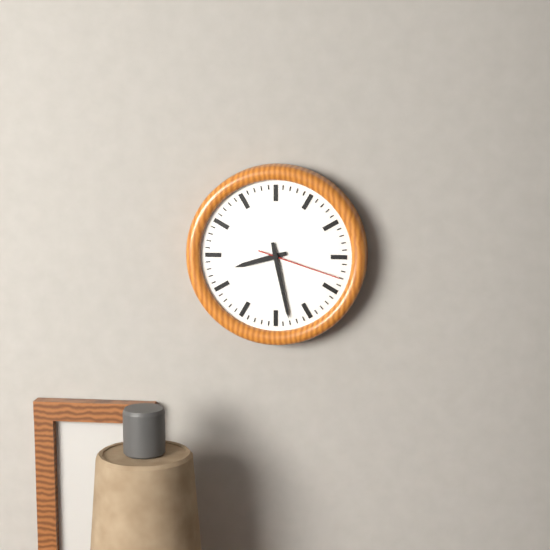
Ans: {"hour": 8, "minute": 28, "second": 18}
